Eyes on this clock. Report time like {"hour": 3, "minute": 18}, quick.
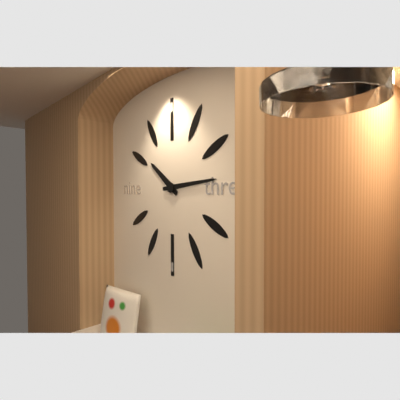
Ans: {"hour": 10, "minute": 14}
